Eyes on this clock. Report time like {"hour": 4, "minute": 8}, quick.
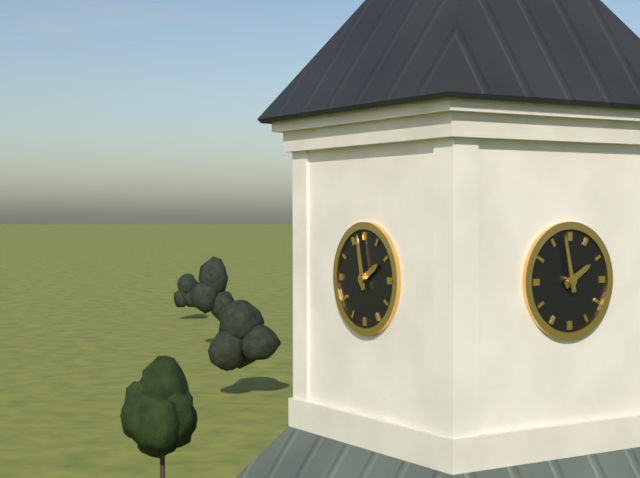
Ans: {"hour": 1, "minute": 58}
